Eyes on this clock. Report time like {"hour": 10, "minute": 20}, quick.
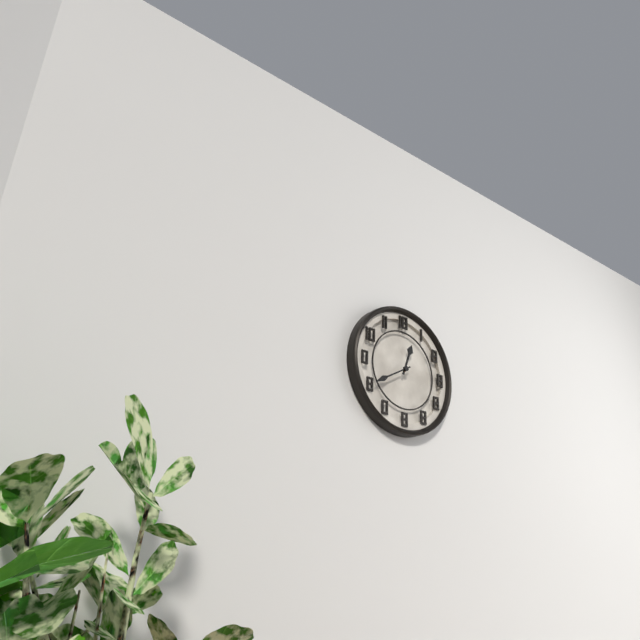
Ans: {"hour": 12, "minute": 40}
